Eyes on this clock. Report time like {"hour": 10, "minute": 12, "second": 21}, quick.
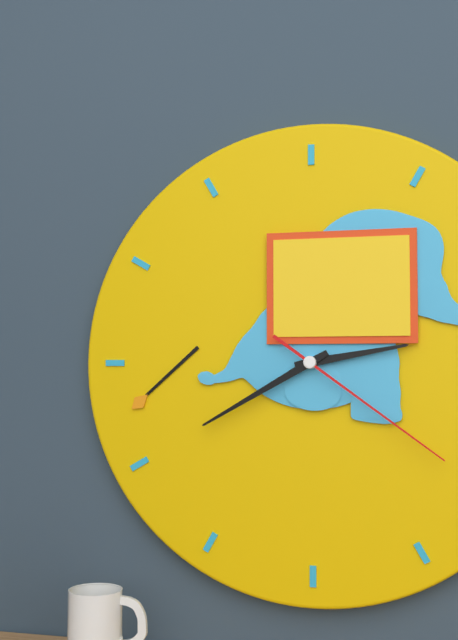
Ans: {"hour": 2, "minute": 40, "second": 21}
